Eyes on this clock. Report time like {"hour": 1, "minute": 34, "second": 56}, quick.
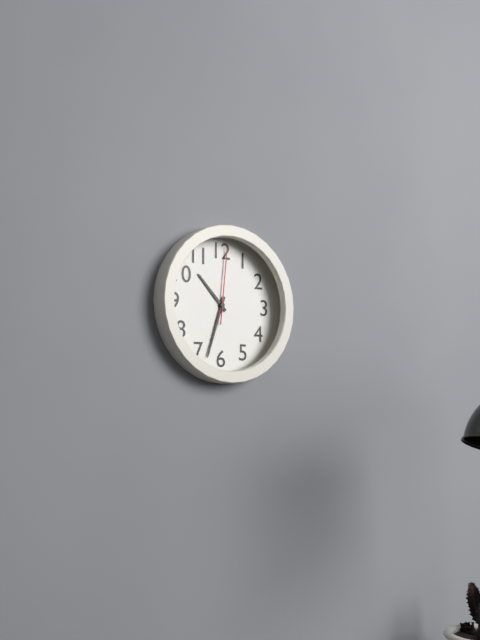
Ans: {"hour": 10, "minute": 33, "second": 1}
